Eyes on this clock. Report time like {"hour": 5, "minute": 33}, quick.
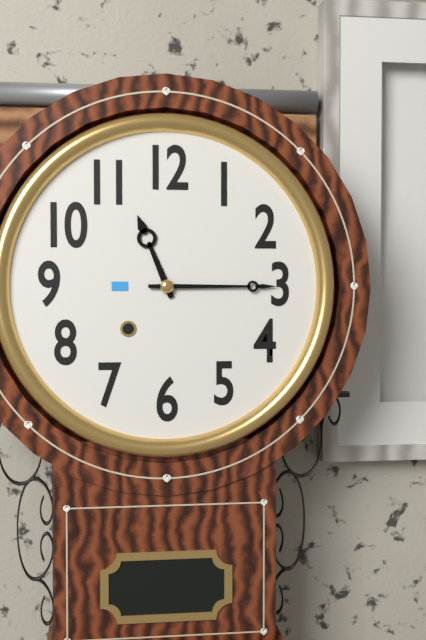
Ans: {"hour": 11, "minute": 15}
